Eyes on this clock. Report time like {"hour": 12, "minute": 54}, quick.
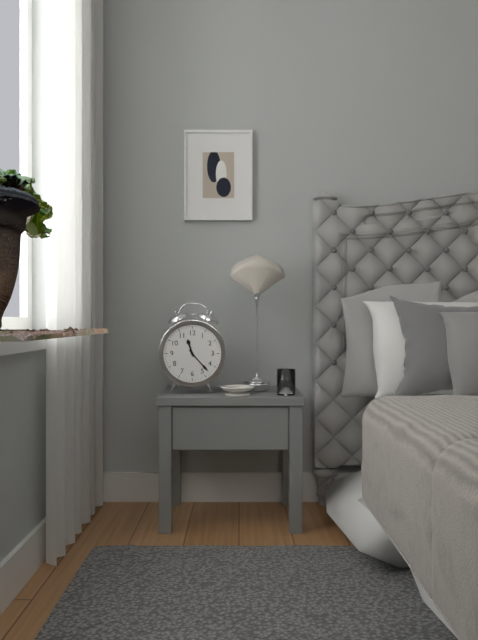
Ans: {"hour": 11, "minute": 23}
